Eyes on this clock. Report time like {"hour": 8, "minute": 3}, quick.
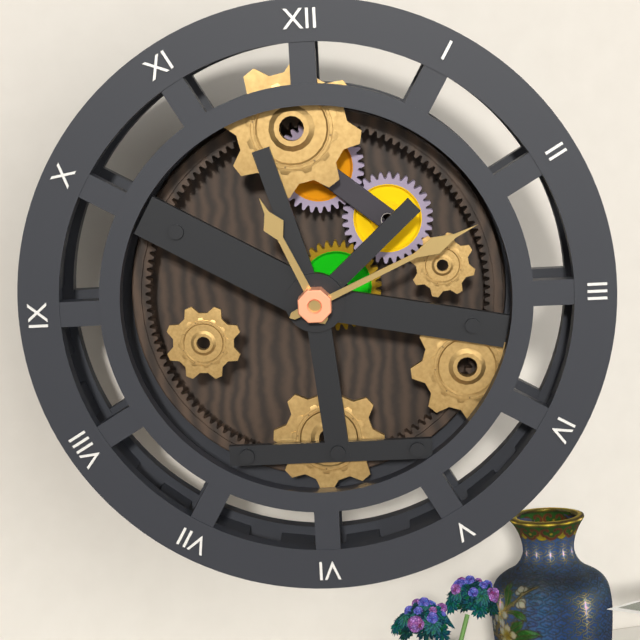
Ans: {"hour": 11, "minute": 11}
